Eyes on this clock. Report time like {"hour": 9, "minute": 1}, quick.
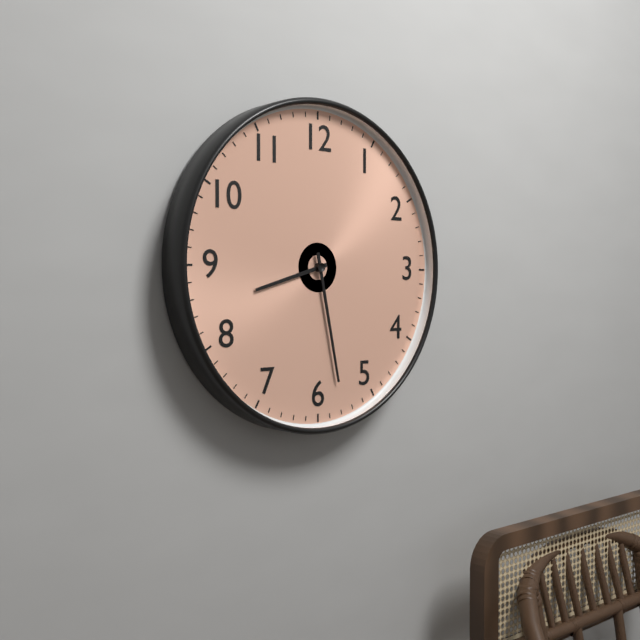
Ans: {"hour": 8, "minute": 28}
